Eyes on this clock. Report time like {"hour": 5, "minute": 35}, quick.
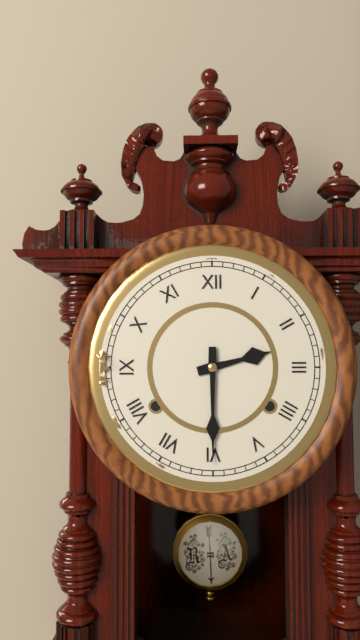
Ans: {"hour": 2, "minute": 30}
